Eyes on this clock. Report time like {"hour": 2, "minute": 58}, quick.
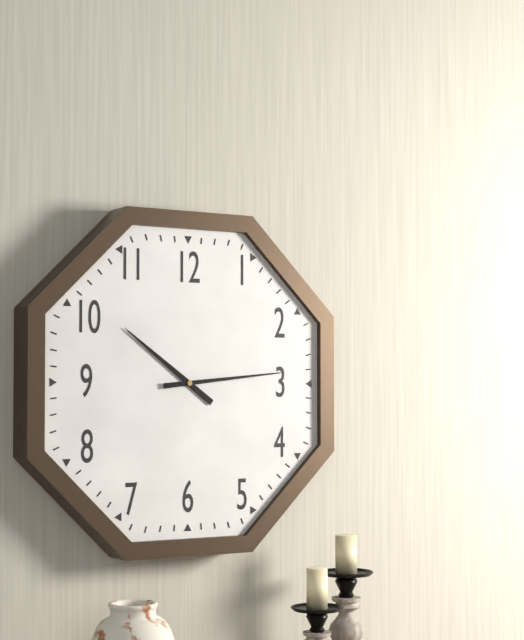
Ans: {"hour": 10, "minute": 14}
